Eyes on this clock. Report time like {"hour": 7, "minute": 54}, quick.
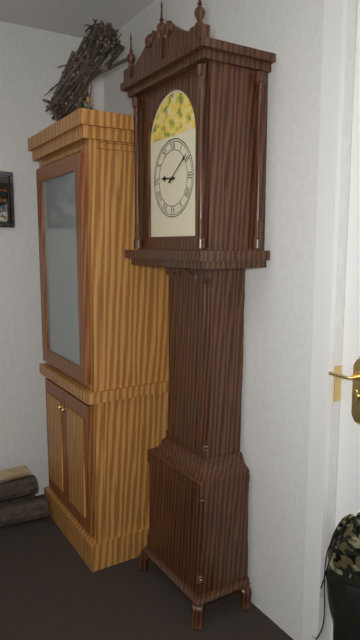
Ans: {"hour": 9, "minute": 9}
